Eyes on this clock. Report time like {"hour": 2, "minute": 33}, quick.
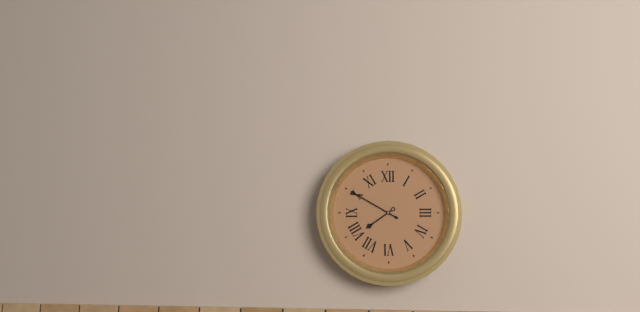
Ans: {"hour": 7, "minute": 50}
